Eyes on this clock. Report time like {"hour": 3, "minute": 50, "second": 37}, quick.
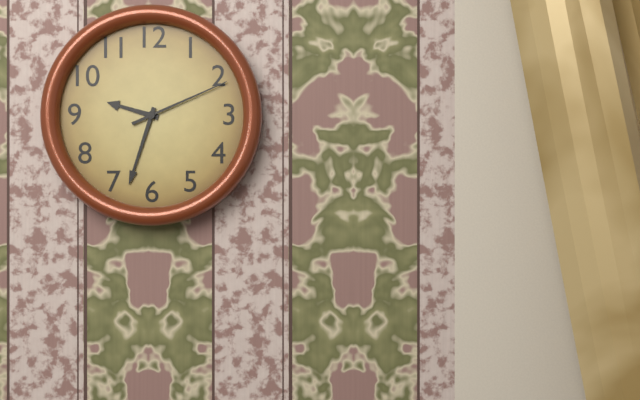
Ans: {"hour": 9, "minute": 33, "second": 11}
